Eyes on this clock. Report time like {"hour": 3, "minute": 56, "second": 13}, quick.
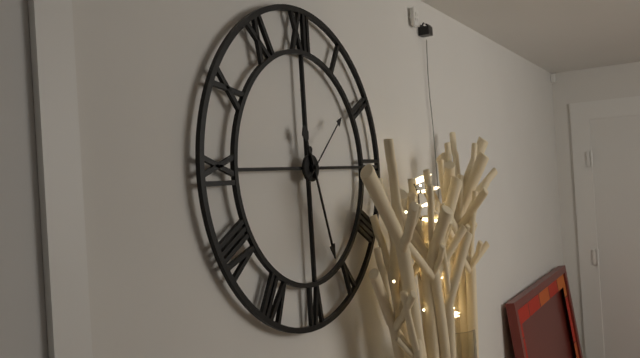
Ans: {"hour": 11, "minute": 27, "second": 8}
